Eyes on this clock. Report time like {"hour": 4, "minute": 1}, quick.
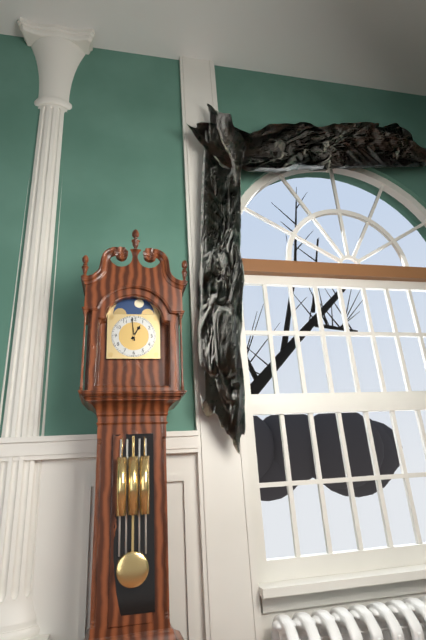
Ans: {"hour": 12, "minute": 59}
